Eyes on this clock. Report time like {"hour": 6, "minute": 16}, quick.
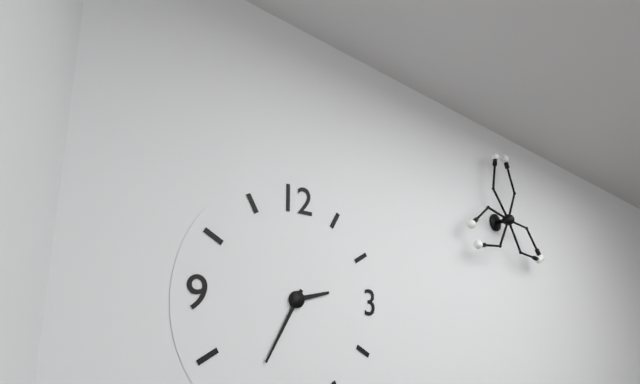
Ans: {"hour": 2, "minute": 35}
